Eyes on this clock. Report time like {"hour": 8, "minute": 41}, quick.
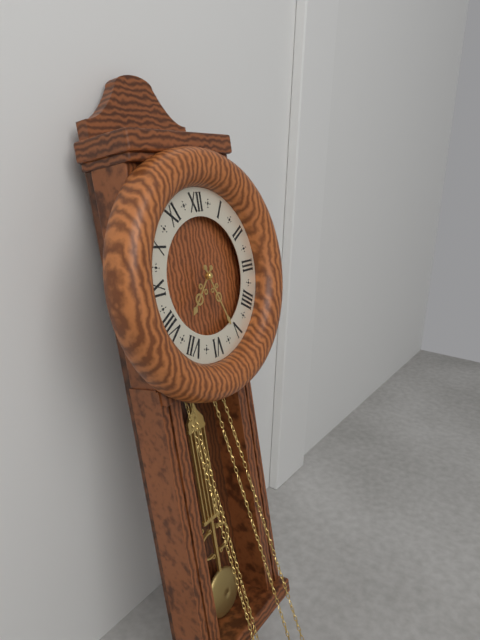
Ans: {"hour": 7, "minute": 26}
